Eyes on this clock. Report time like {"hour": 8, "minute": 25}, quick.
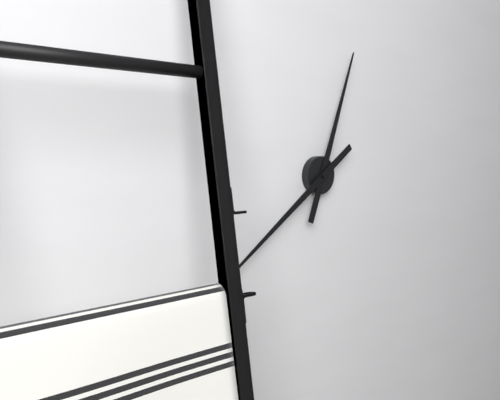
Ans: {"hour": 12, "minute": 39}
